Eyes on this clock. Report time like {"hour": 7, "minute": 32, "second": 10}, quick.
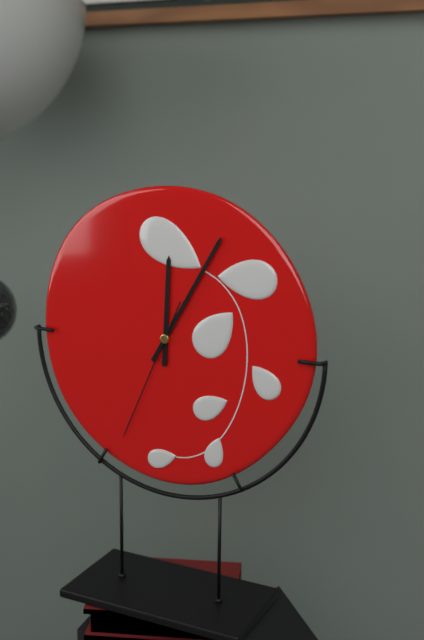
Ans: {"hour": 12, "minute": 5, "second": 34}
